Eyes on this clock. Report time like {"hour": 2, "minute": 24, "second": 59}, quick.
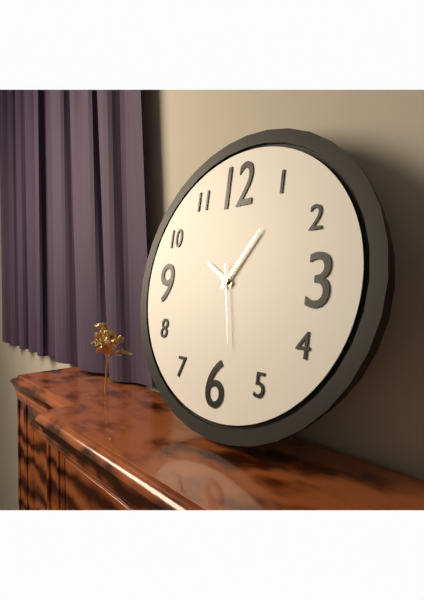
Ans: {"hour": 10, "minute": 6, "second": 28}
